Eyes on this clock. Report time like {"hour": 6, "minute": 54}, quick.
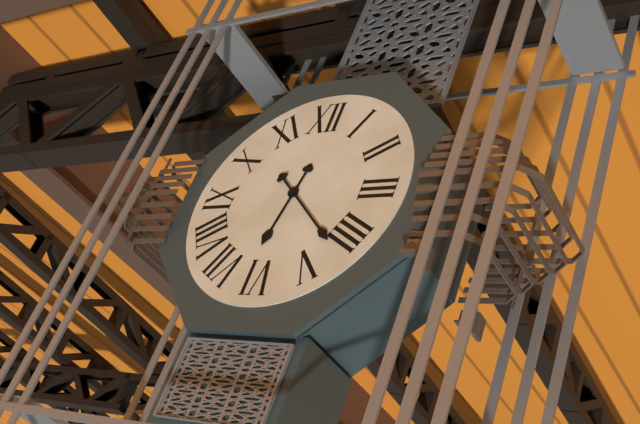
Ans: {"hour": 6, "minute": 22}
